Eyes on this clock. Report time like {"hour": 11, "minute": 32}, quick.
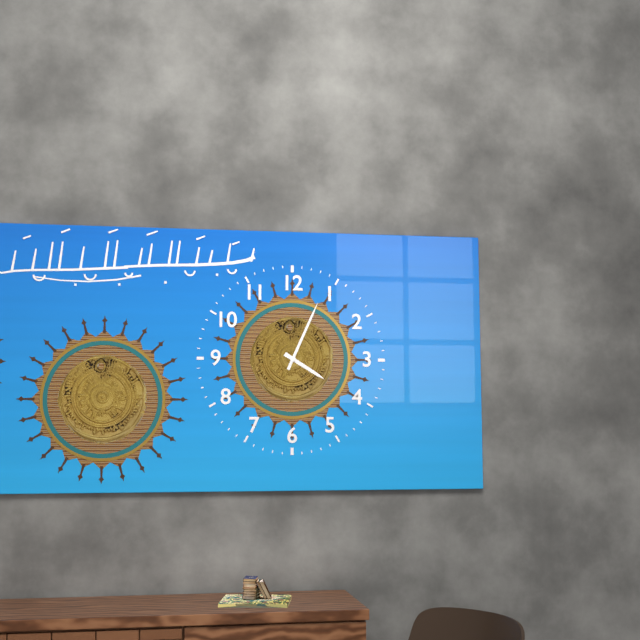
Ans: {"hour": 4, "minute": 4}
